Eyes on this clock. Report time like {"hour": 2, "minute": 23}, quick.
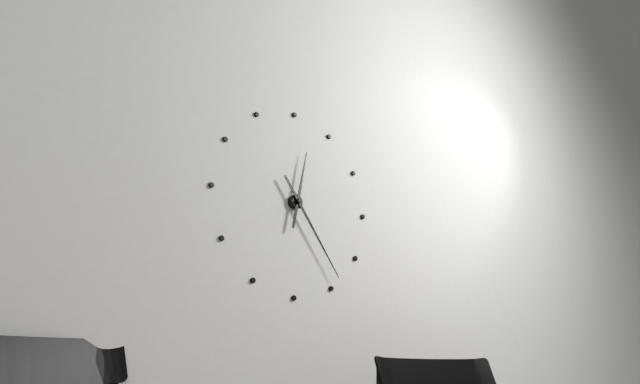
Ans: {"hour": 12, "minute": 24}
